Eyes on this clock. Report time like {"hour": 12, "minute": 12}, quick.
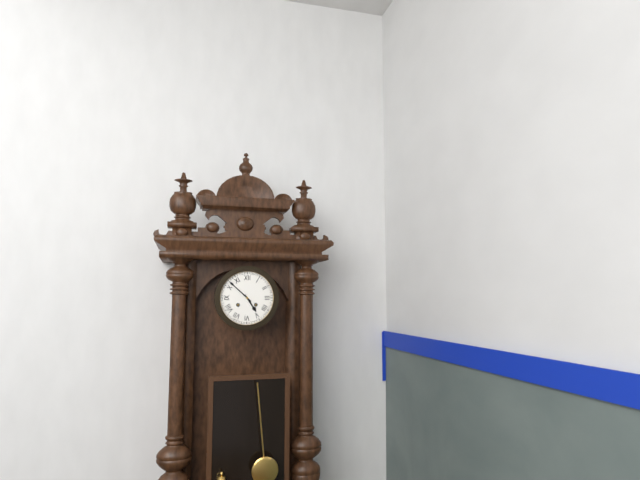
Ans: {"hour": 4, "minute": 52}
